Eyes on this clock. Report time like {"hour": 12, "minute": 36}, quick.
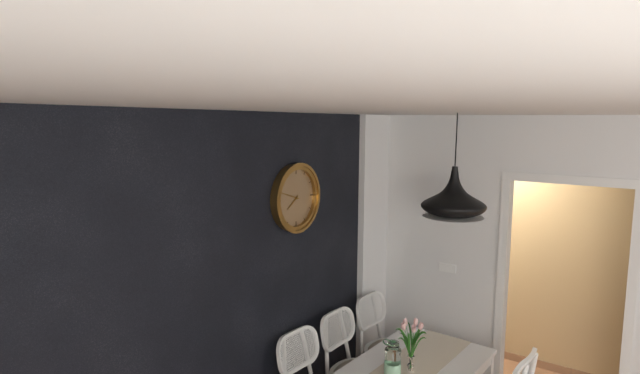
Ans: {"hour": 7, "minute": 48}
